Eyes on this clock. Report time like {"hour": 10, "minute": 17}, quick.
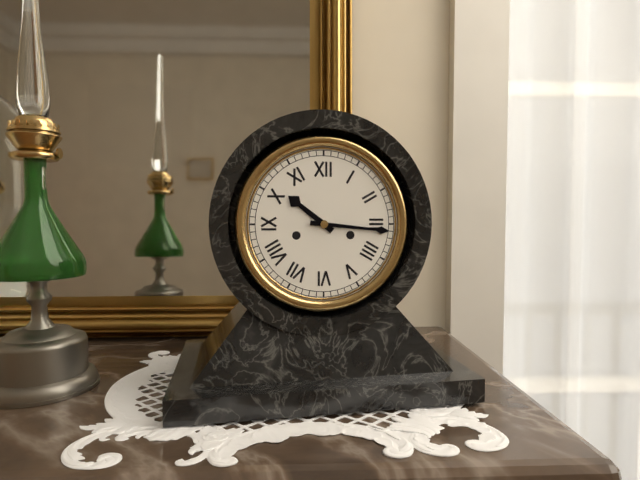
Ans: {"hour": 10, "minute": 16}
